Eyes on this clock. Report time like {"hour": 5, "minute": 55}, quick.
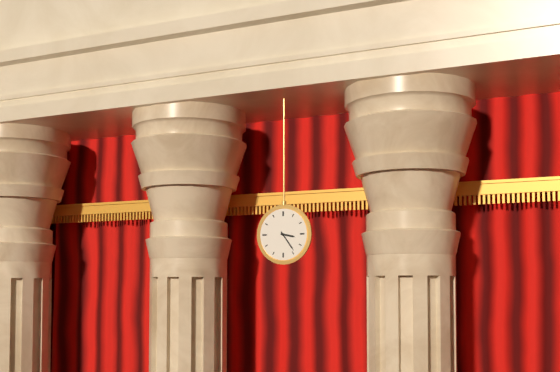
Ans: {"hour": 3, "minute": 24}
